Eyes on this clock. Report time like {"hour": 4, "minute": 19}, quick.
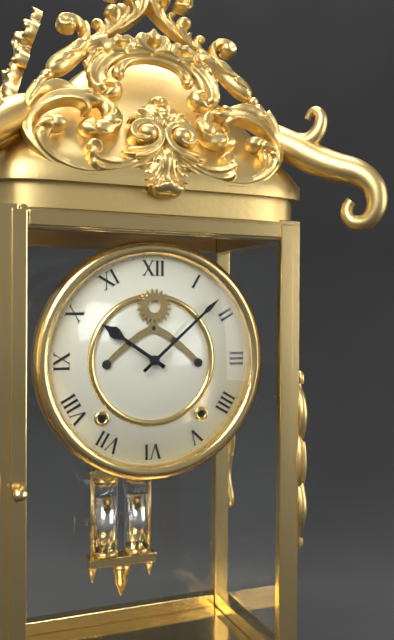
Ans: {"hour": 10, "minute": 8}
